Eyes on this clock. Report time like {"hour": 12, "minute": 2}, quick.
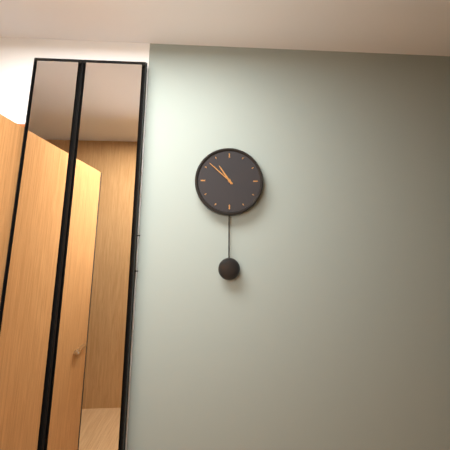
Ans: {"hour": 10, "minute": 52}
